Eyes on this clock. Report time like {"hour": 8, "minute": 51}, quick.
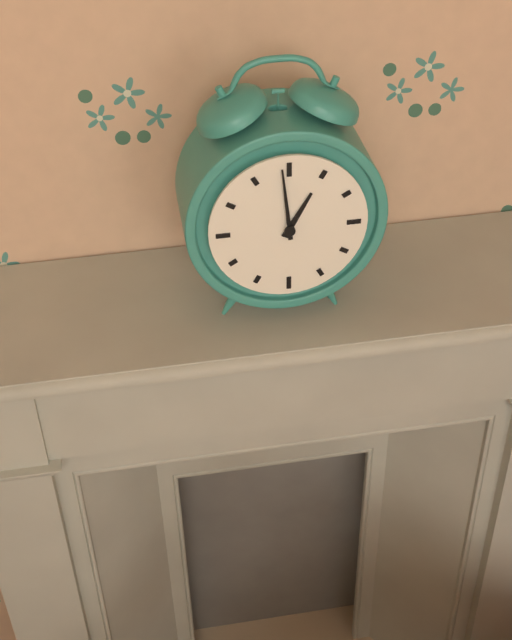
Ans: {"hour": 12, "minute": 59}
